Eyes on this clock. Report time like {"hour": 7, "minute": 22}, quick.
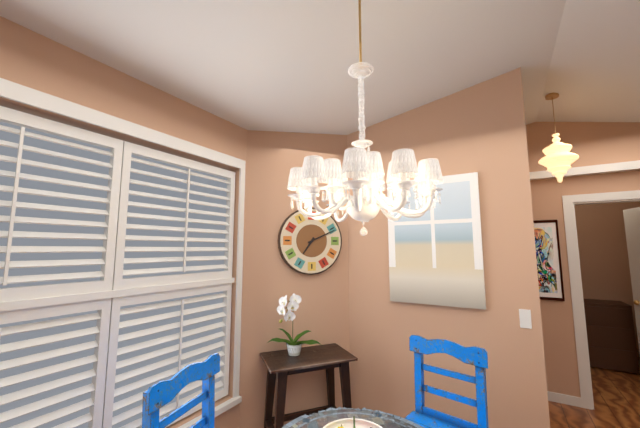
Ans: {"hour": 7, "minute": 11}
